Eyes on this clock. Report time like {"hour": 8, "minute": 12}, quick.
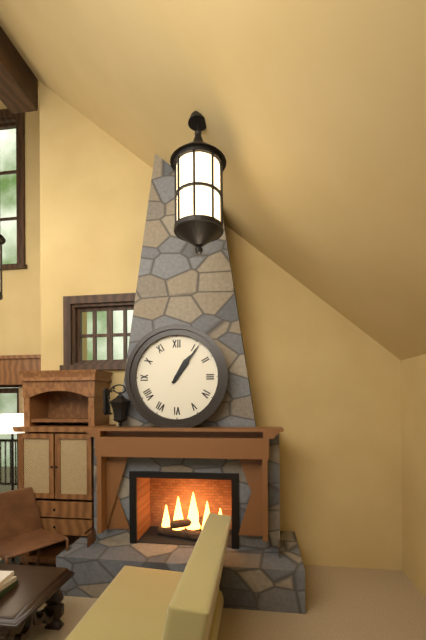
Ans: {"hour": 1, "minute": 6}
